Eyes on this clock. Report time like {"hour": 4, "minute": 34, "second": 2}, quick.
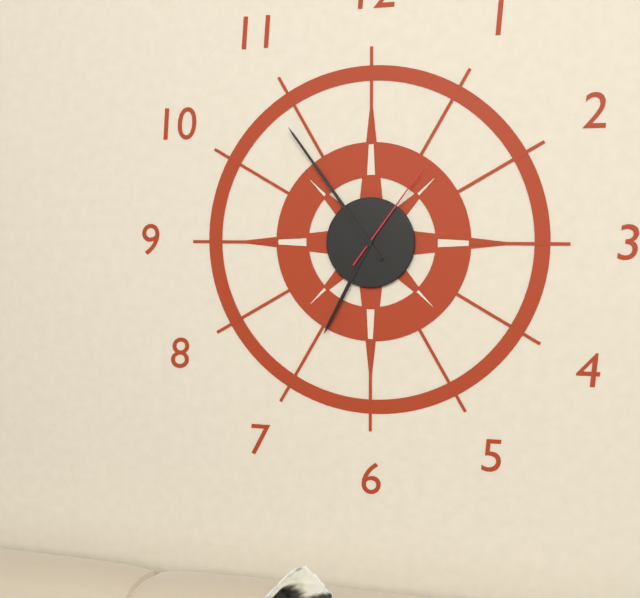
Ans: {"hour": 6, "minute": 54, "second": 6}
